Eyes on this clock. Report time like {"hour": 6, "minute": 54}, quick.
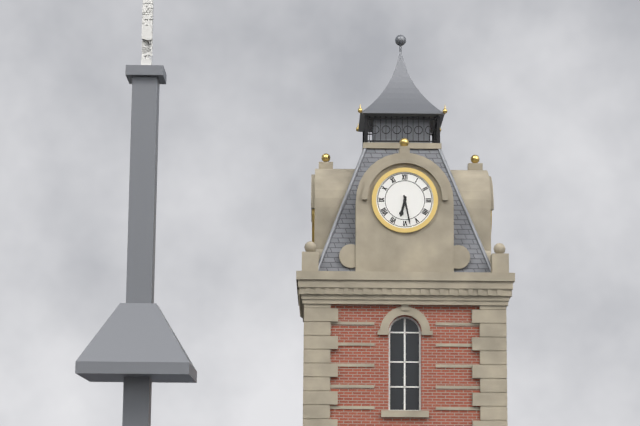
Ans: {"hour": 6, "minute": 28}
